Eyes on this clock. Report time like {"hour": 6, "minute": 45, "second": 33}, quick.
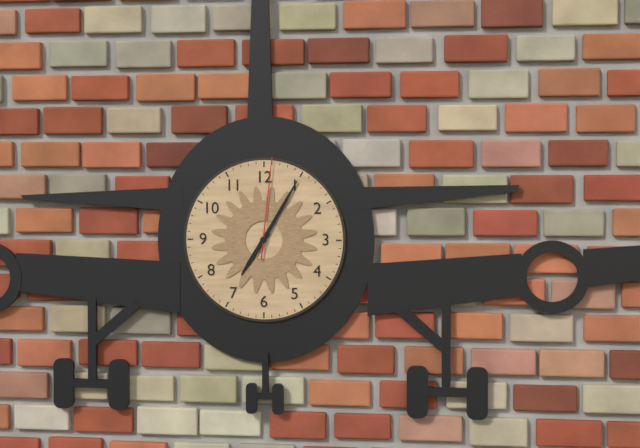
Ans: {"hour": 7, "minute": 5, "second": 1}
